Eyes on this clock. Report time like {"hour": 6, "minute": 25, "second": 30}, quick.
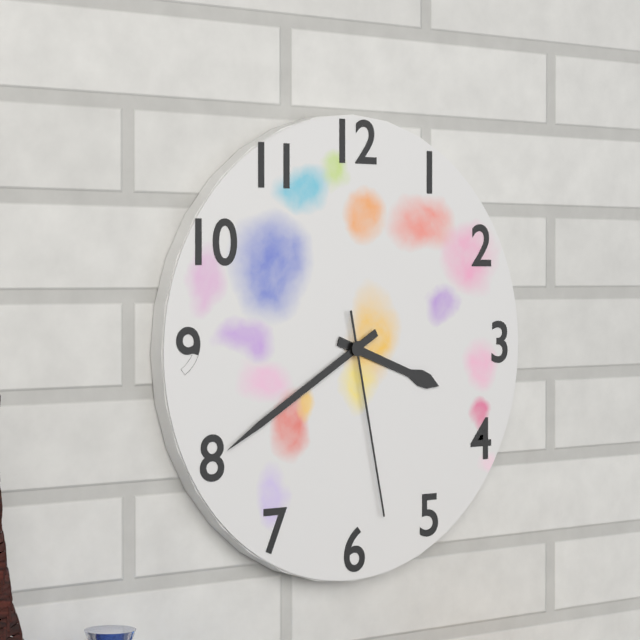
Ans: {"hour": 3, "minute": 40, "second": 28}
